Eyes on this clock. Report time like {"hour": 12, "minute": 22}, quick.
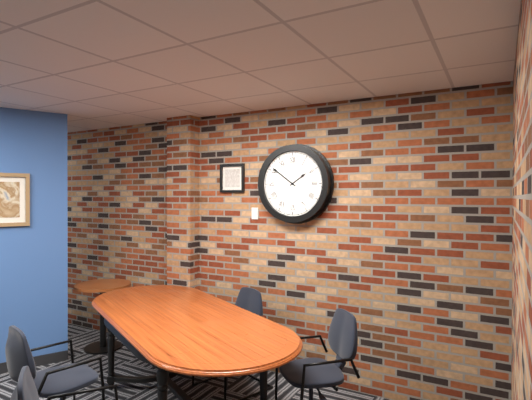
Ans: {"hour": 1, "minute": 51}
